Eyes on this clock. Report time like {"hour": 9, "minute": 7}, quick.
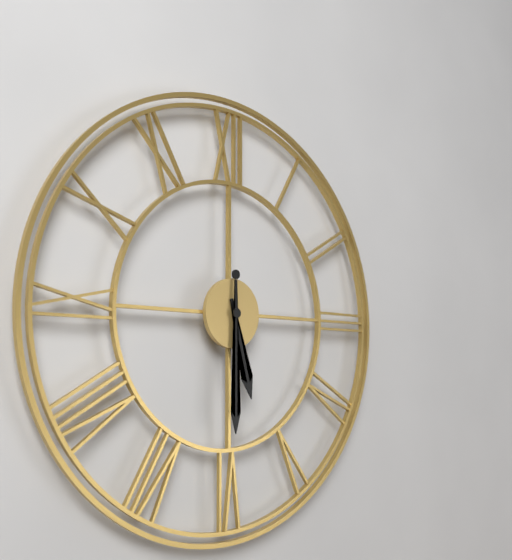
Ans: {"hour": 5, "minute": 30}
